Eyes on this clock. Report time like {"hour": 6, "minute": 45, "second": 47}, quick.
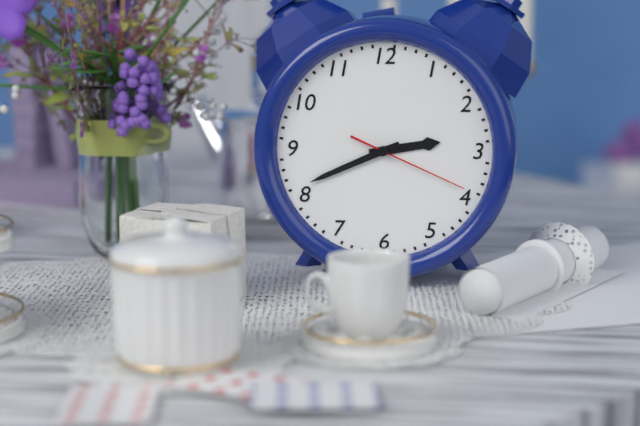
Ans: {"hour": 2, "minute": 41, "second": 19}
